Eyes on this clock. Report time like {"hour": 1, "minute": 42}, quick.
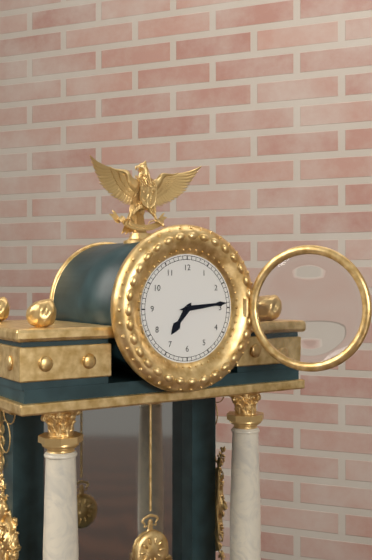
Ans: {"hour": 7, "minute": 14}
